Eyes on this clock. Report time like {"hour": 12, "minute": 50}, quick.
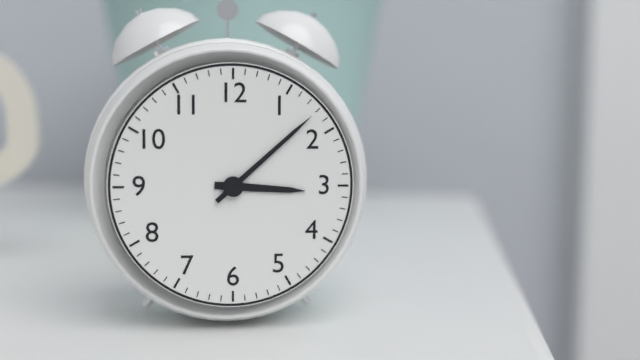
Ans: {"hour": 3, "minute": 8}
